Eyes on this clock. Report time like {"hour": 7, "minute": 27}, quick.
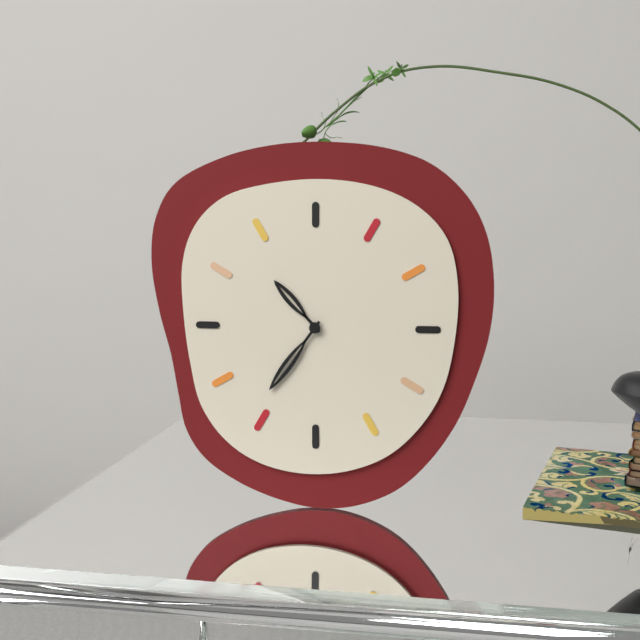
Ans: {"hour": 10, "minute": 36}
